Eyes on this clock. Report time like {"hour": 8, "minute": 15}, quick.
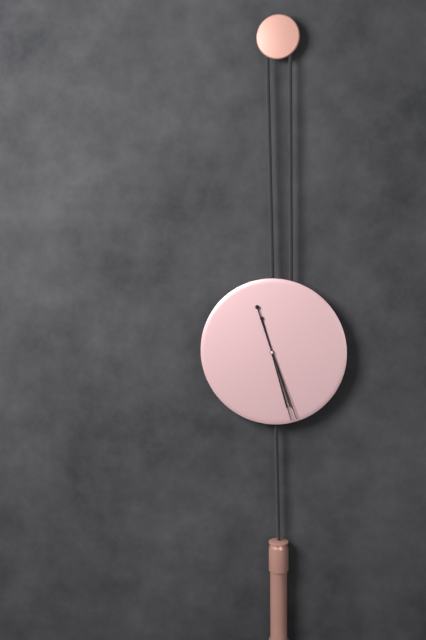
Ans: {"hour": 5, "minute": 27}
